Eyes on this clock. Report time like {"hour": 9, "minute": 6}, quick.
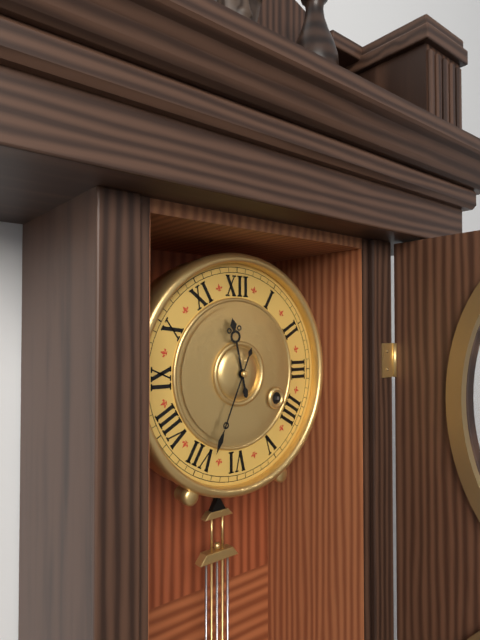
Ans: {"hour": 11, "minute": 34}
